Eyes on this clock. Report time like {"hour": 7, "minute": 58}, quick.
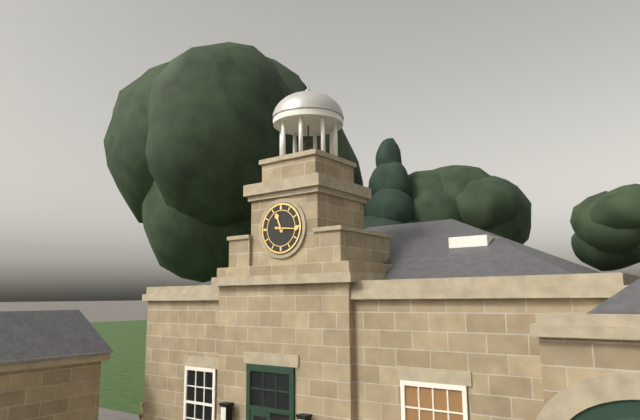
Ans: {"hour": 11, "minute": 16}
